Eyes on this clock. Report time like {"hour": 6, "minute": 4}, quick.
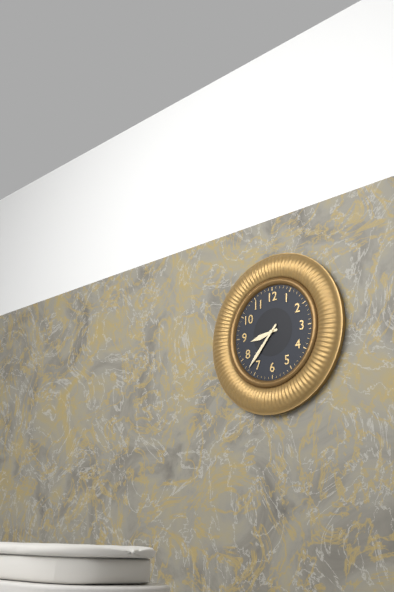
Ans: {"hour": 8, "minute": 37}
